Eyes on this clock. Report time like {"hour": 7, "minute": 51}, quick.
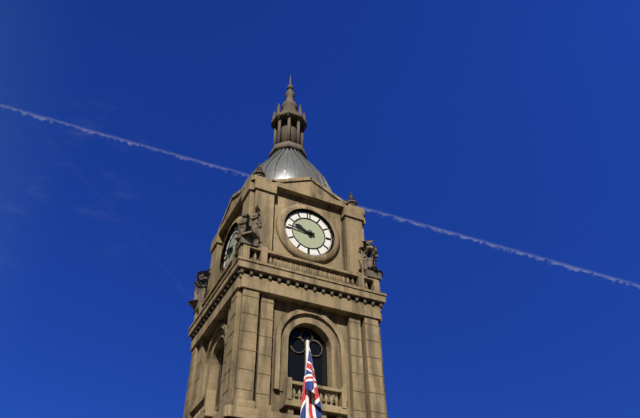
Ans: {"hour": 9, "minute": 46}
